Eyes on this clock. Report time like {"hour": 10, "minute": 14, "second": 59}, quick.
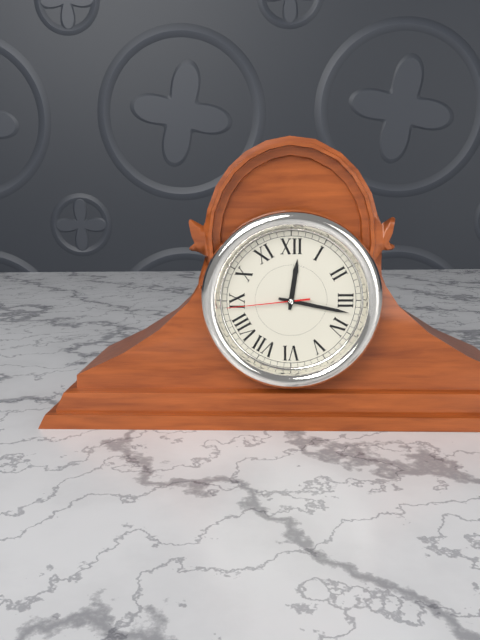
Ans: {"hour": 12, "minute": 17, "second": 44}
